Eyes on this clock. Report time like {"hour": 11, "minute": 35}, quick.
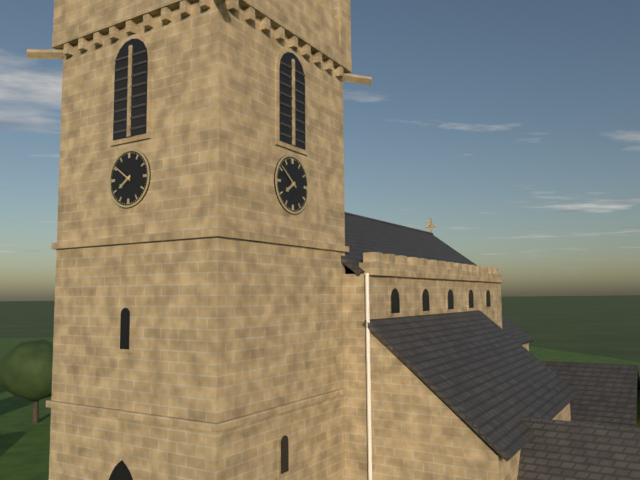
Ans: {"hour": 7, "minute": 51}
